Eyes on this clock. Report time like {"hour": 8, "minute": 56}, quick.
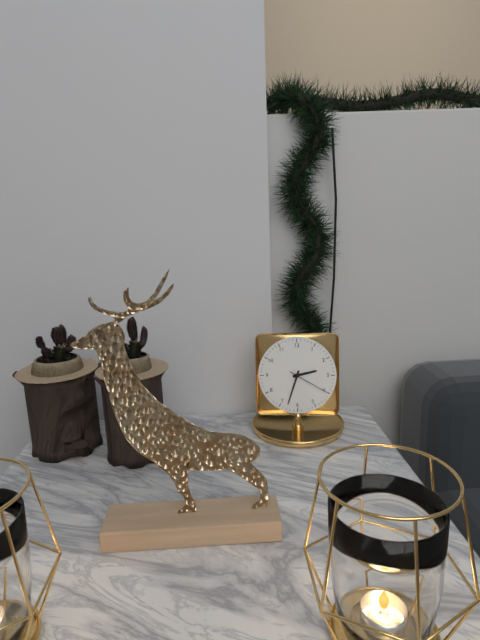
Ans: {"hour": 2, "minute": 33}
